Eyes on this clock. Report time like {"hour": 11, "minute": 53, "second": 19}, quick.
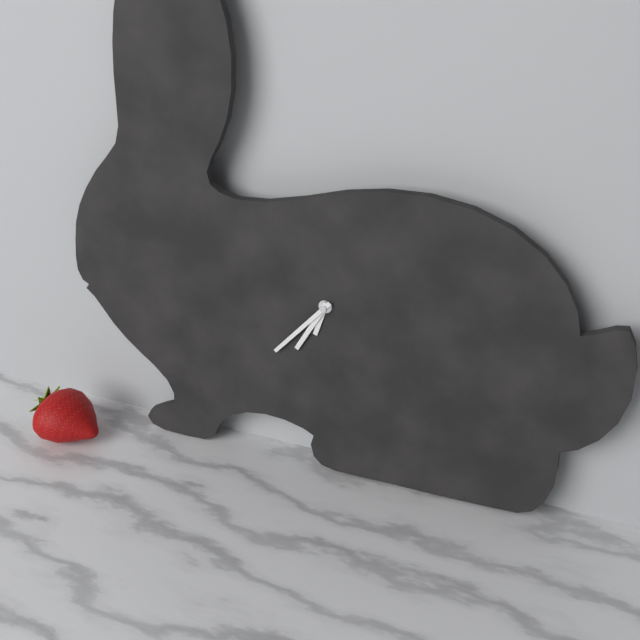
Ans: {"hour": 6, "minute": 35, "second": 37}
